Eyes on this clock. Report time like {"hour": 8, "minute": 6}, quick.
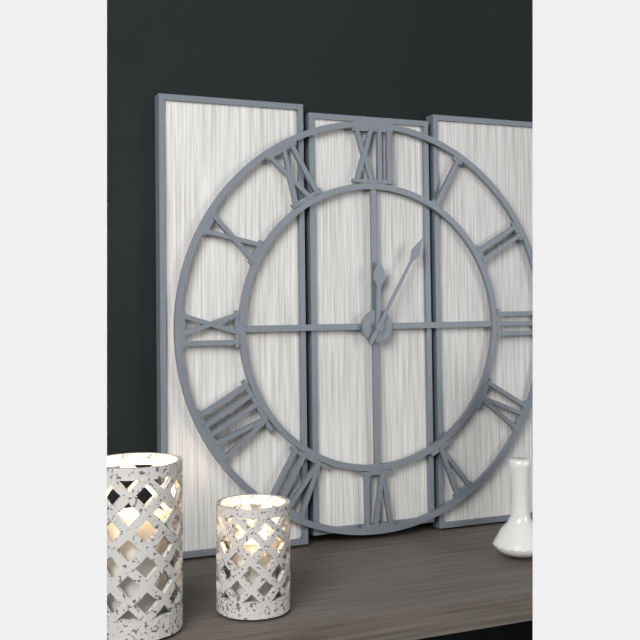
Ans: {"hour": 12, "minute": 5}
